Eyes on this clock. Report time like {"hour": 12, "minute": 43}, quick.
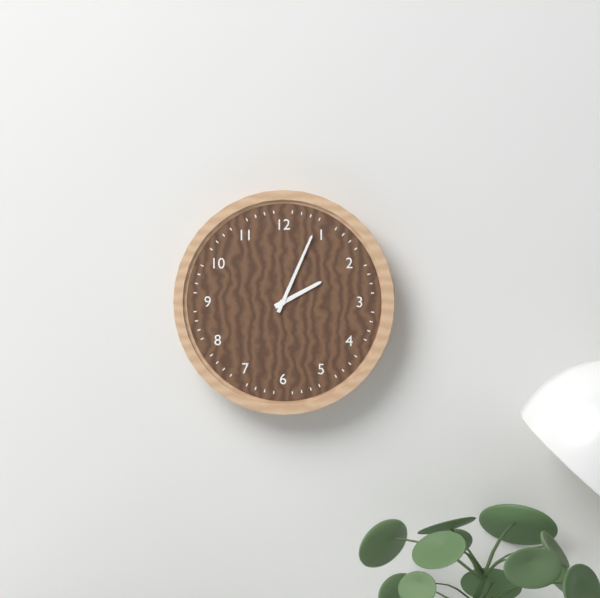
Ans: {"hour": 2, "minute": 4}
